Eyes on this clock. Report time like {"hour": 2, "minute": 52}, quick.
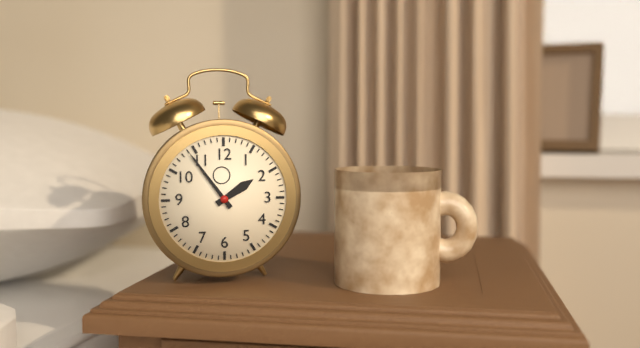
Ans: {"hour": 1, "minute": 54}
